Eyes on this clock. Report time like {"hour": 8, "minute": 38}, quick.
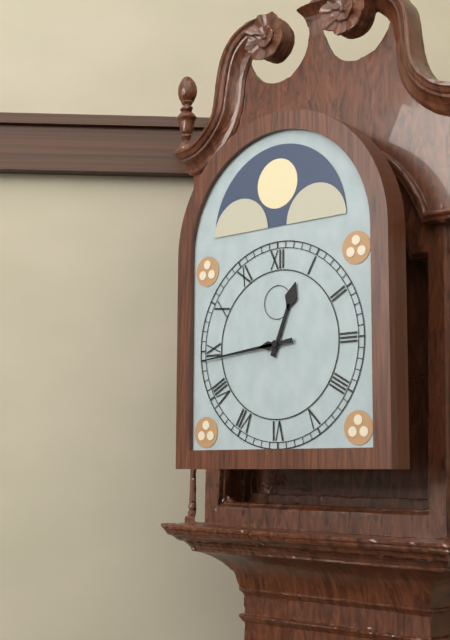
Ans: {"hour": 12, "minute": 44}
